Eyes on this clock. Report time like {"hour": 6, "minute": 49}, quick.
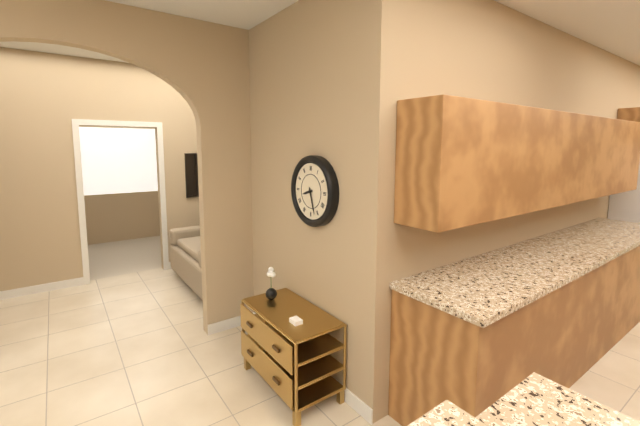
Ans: {"hour": 8, "minute": 27}
